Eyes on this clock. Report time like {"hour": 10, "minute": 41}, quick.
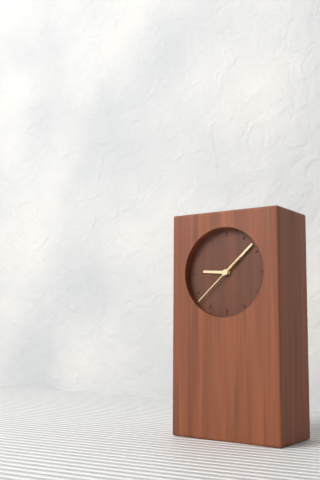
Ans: {"hour": 9, "minute": 8}
